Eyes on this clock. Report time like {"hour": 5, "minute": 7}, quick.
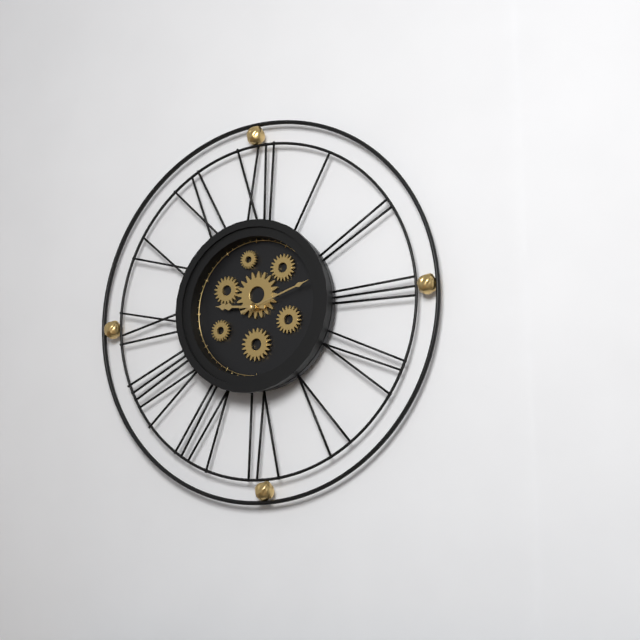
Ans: {"hour": 9, "minute": 12}
